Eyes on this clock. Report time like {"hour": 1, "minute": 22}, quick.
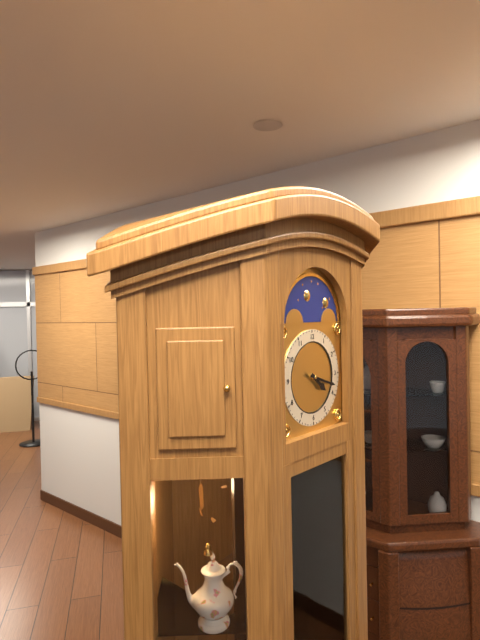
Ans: {"hour": 4, "minute": 18}
